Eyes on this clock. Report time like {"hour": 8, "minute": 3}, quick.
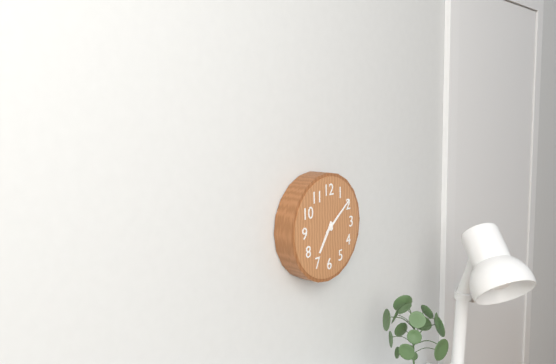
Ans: {"hour": 7, "minute": 9}
